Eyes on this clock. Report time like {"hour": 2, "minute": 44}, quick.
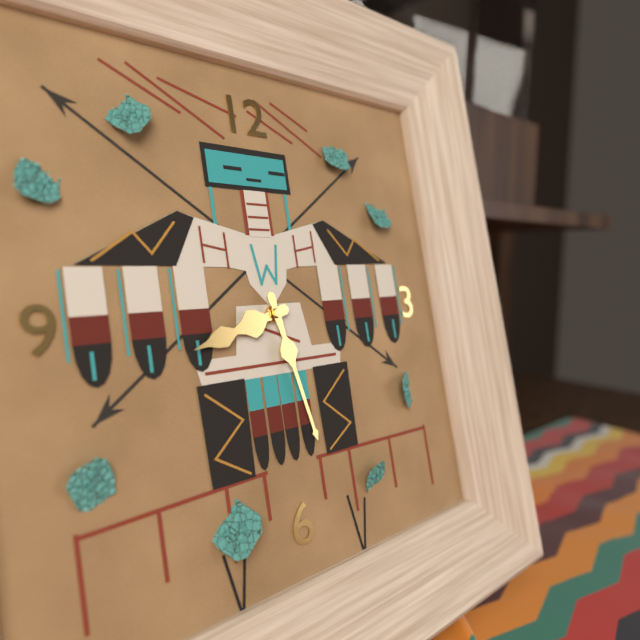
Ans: {"hour": 8, "minute": 28}
